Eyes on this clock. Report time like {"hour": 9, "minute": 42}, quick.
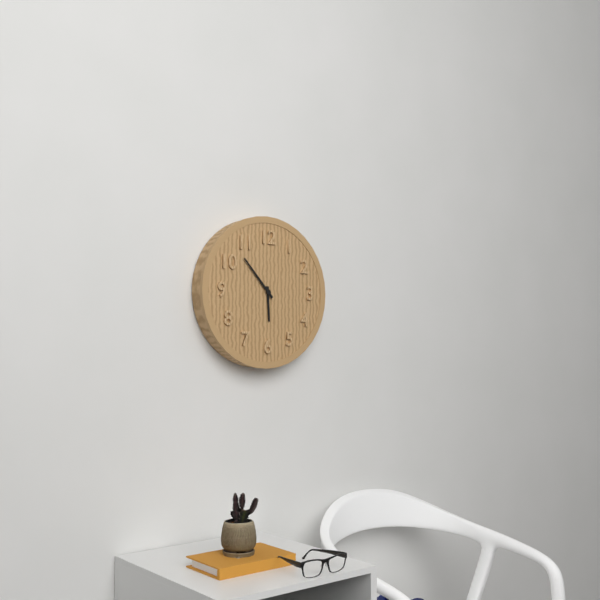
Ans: {"hour": 5, "minute": 53}
